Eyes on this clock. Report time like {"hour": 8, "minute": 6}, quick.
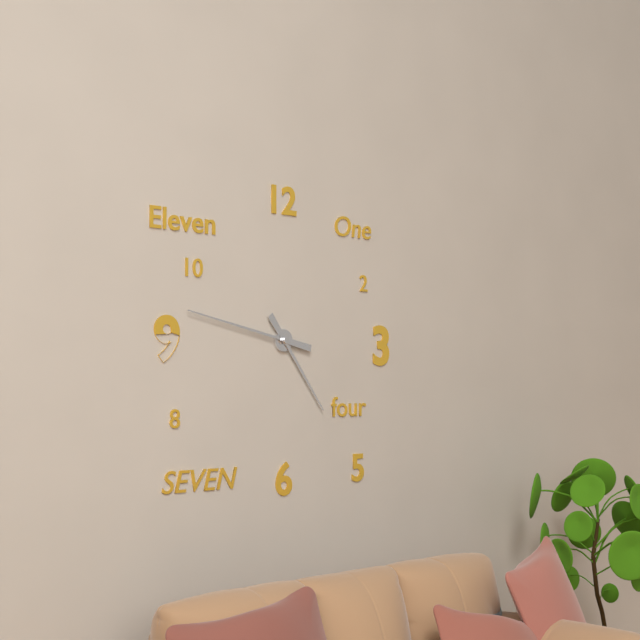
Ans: {"hour": 4, "minute": 47}
